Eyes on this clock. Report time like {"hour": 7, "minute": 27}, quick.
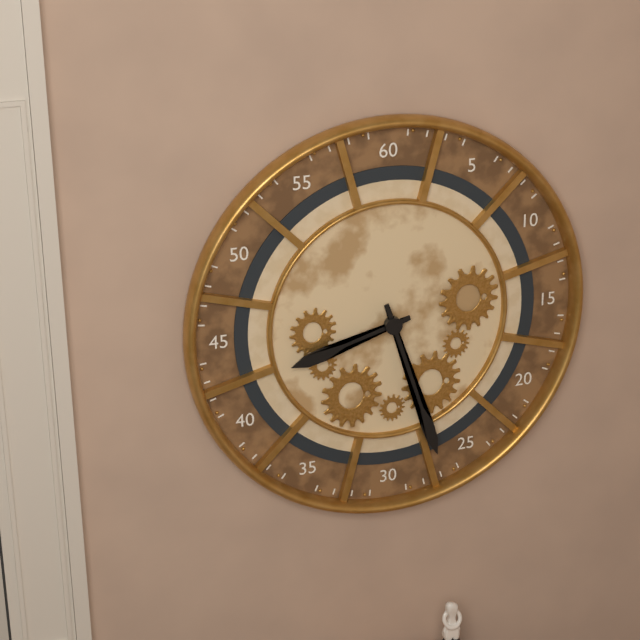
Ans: {"hour": 8, "minute": 27}
